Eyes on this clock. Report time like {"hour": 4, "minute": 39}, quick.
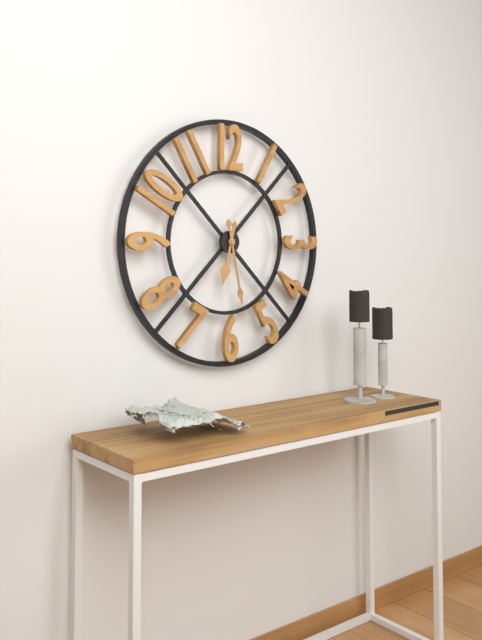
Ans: {"hour": 6, "minute": 28}
